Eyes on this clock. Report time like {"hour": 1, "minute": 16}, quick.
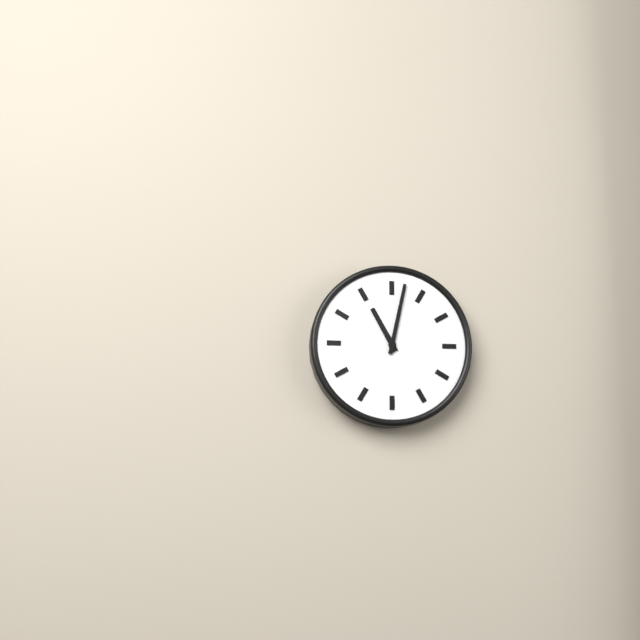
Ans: {"hour": 11, "minute": 2}
